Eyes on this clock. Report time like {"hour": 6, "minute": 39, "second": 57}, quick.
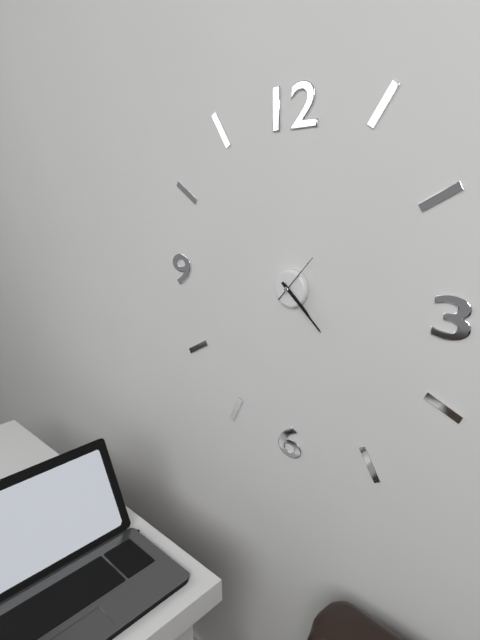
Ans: {"hour": 4, "minute": 22, "second": 7}
